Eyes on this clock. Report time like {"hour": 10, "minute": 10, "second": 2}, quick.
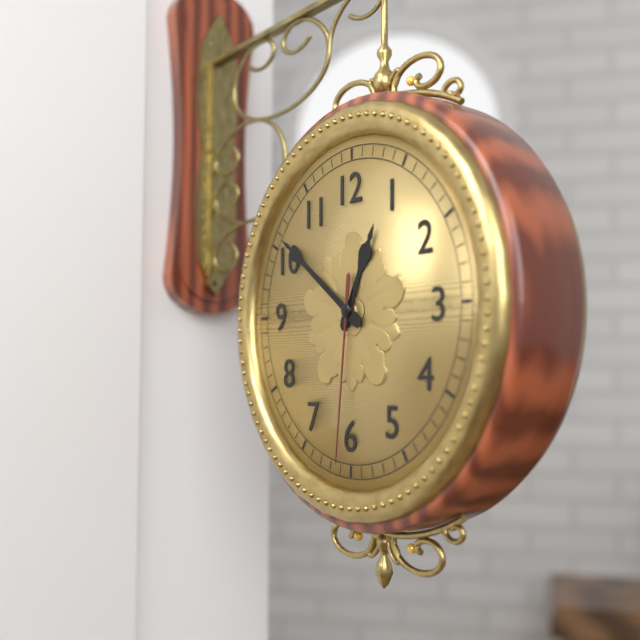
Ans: {"hour": 12, "minute": 51, "second": 31}
